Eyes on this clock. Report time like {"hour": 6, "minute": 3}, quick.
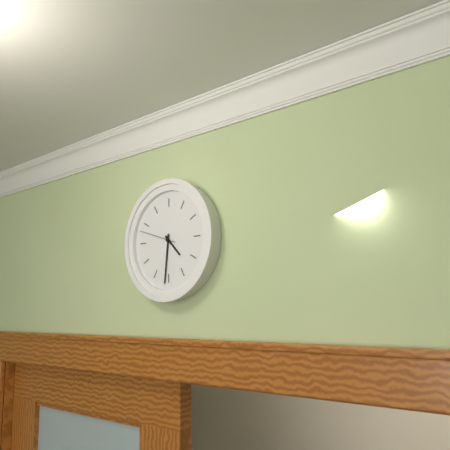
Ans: {"hour": 4, "minute": 31}
